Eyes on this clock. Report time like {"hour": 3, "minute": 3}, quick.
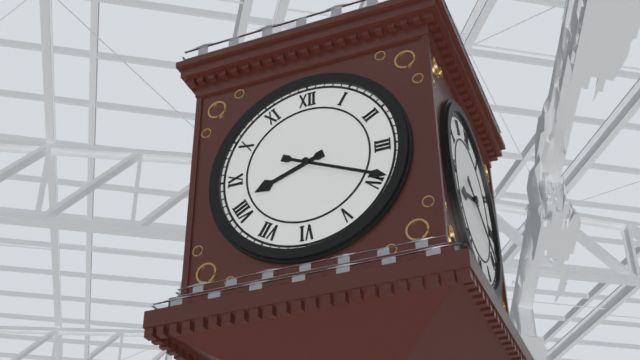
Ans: {"hour": 8, "minute": 19}
